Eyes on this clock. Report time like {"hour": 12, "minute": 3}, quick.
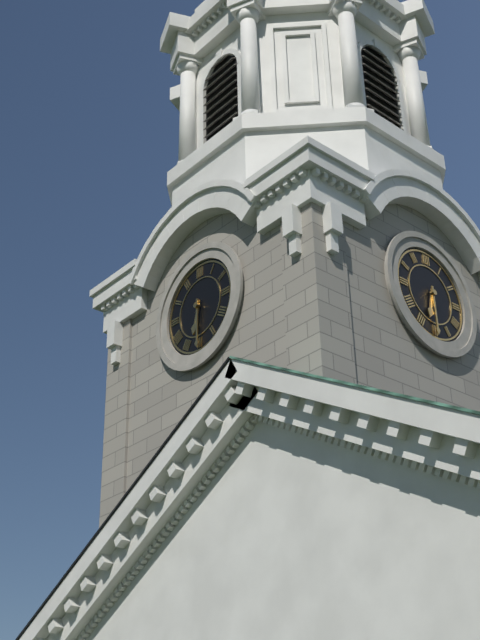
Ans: {"hour": 6, "minute": 30}
